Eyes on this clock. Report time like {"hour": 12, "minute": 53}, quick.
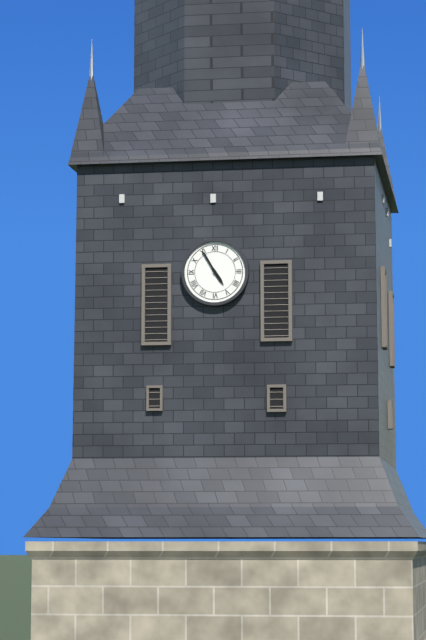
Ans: {"hour": 4, "minute": 55}
